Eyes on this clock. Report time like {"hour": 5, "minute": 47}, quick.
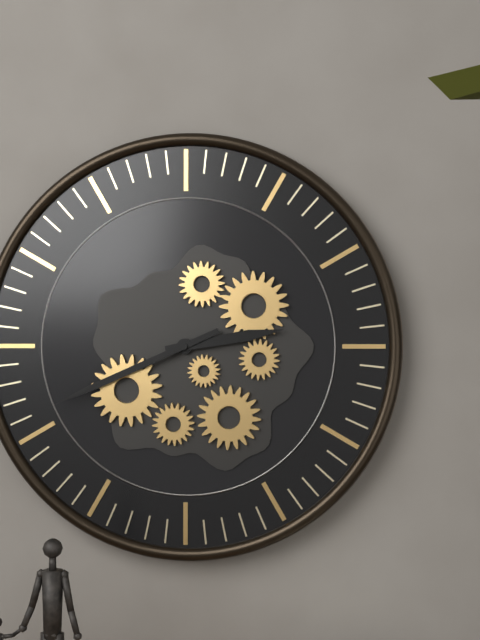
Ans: {"hour": 2, "minute": 41}
